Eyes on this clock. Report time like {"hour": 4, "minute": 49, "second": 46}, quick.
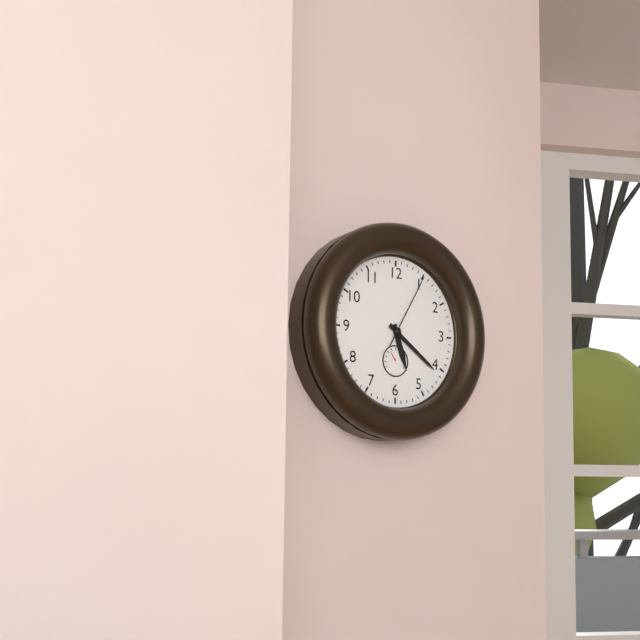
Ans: {"hour": 5, "minute": 21, "second": 5}
